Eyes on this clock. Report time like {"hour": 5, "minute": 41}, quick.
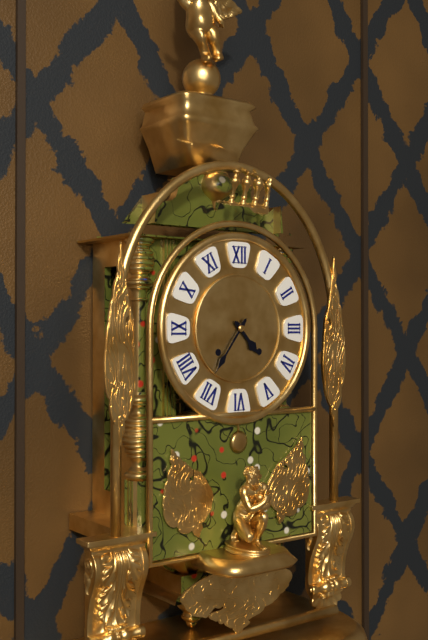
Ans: {"hour": 4, "minute": 36}
